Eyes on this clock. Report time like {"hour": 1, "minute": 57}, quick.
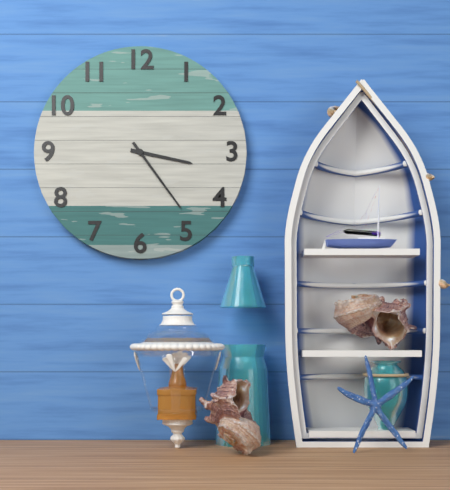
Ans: {"hour": 3, "minute": 24}
